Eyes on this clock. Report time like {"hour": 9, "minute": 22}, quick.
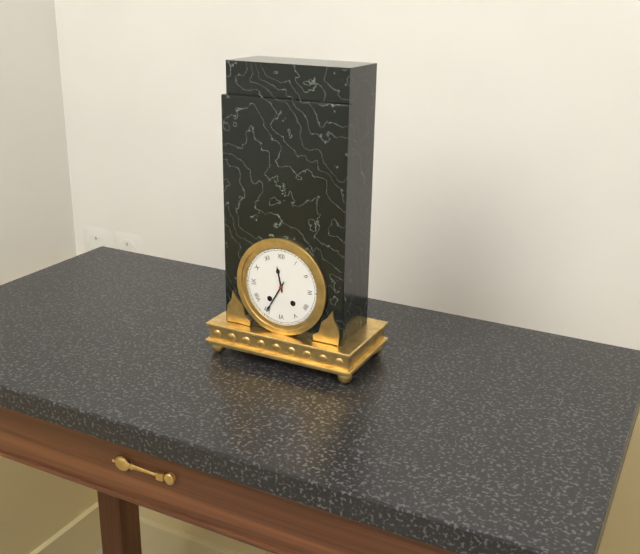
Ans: {"hour": 11, "minute": 35}
